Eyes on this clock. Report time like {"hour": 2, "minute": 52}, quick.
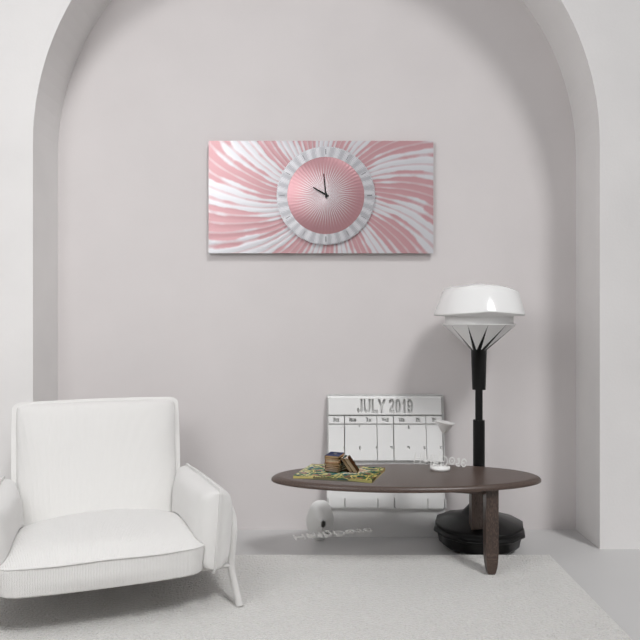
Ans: {"hour": 9, "minute": 59}
